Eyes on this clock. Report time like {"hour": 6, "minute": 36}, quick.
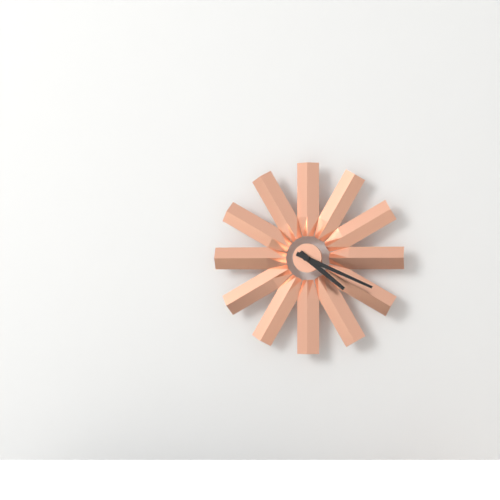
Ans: {"hour": 4, "minute": 19}
